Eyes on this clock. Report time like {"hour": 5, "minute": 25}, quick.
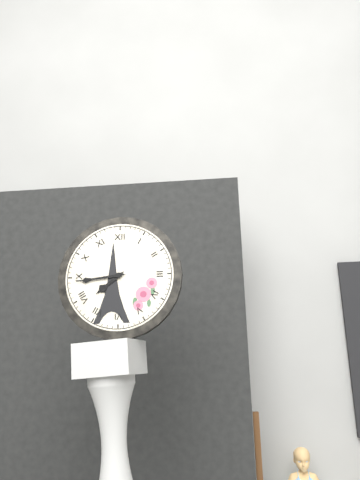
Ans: {"hour": 7, "minute": 44}
